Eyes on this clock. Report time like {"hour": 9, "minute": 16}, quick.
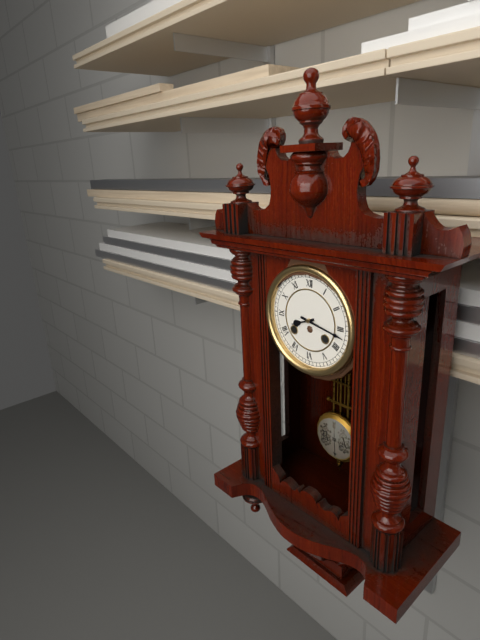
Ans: {"hour": 8, "minute": 17}
